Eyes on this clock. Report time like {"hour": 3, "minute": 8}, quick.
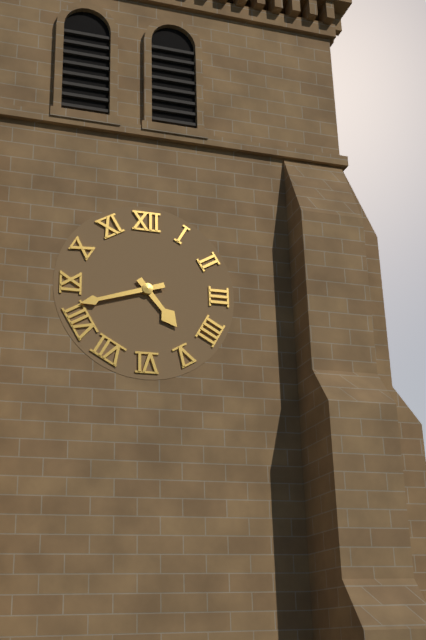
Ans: {"hour": 4, "minute": 42}
